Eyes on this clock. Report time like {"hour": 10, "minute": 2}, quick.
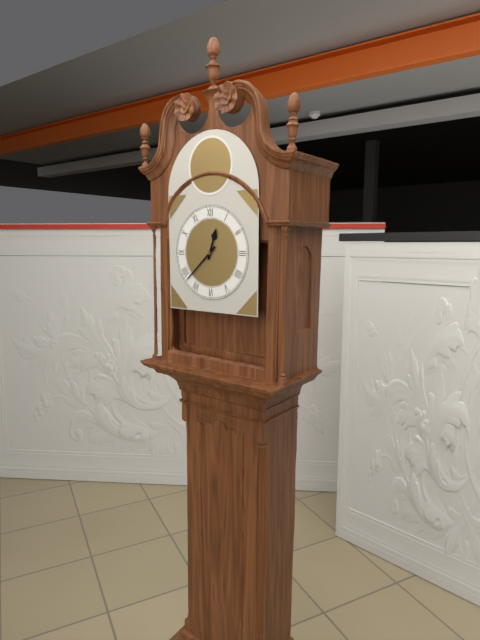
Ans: {"hour": 12, "minute": 38}
